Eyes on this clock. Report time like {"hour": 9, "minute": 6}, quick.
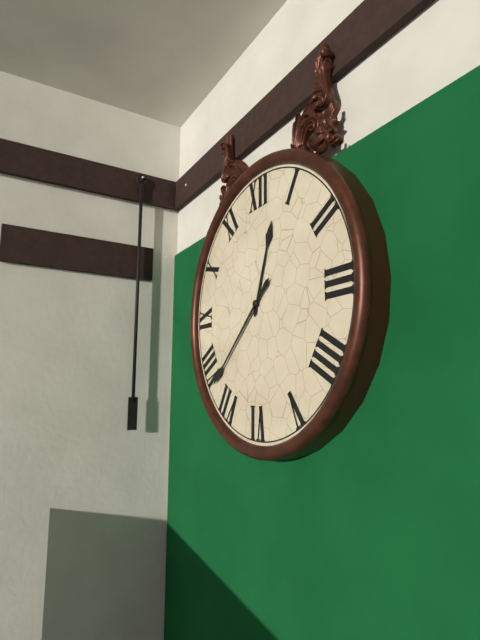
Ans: {"hour": 12, "minute": 38}
